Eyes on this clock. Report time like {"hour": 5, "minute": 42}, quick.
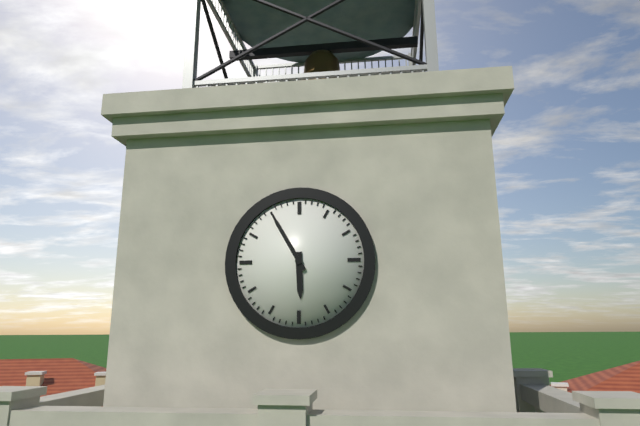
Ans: {"hour": 5, "minute": 55}
